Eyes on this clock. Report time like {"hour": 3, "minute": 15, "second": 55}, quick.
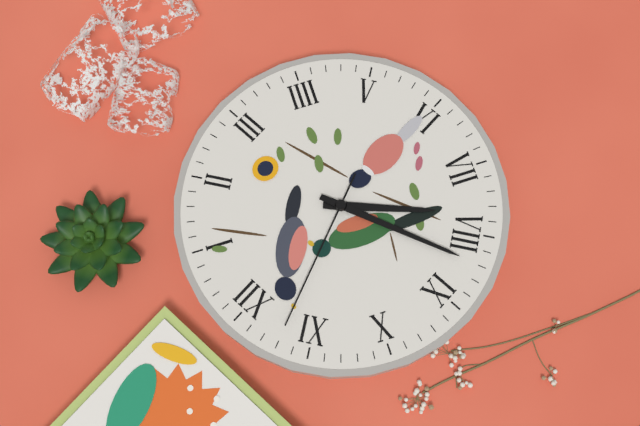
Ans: {"hour": 7, "minute": 42, "second": 57}
